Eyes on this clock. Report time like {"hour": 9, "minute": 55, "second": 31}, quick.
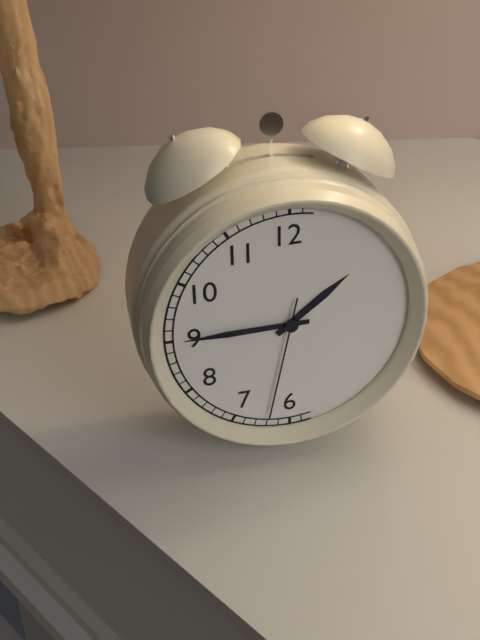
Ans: {"hour": 1, "minute": 45, "second": 32}
